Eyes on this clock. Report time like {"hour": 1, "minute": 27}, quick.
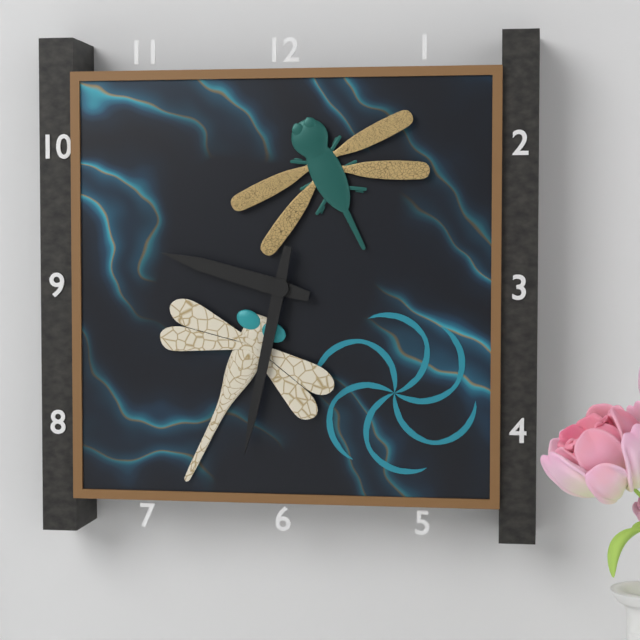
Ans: {"hour": 9, "minute": 32}
